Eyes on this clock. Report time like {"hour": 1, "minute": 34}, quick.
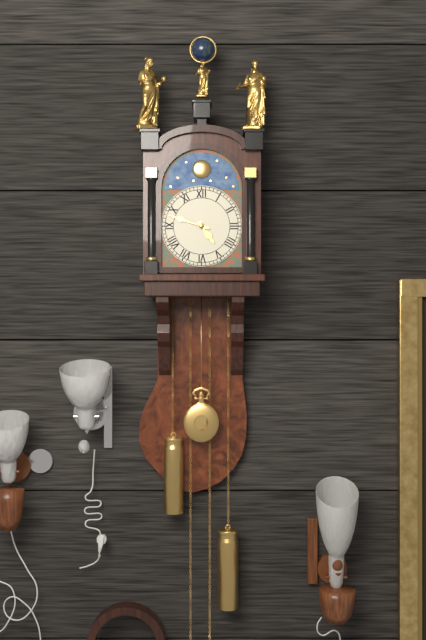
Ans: {"hour": 4, "minute": 48}
